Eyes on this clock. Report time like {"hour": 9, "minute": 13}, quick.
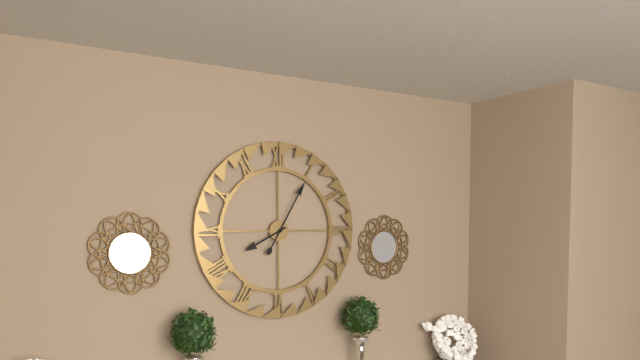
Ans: {"hour": 8, "minute": 5}
